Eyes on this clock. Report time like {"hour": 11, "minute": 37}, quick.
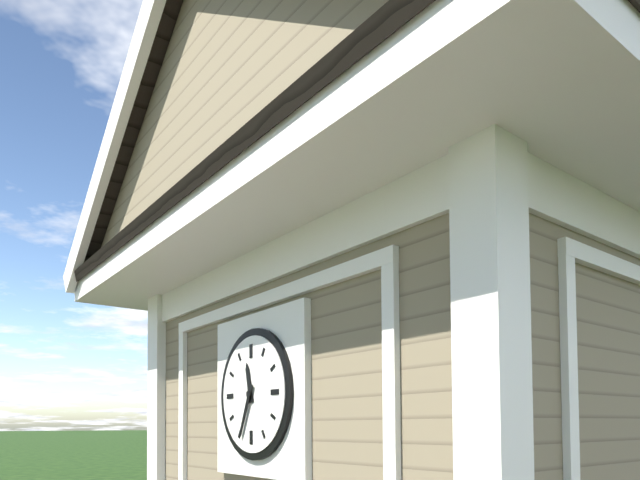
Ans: {"hour": 11, "minute": 34}
